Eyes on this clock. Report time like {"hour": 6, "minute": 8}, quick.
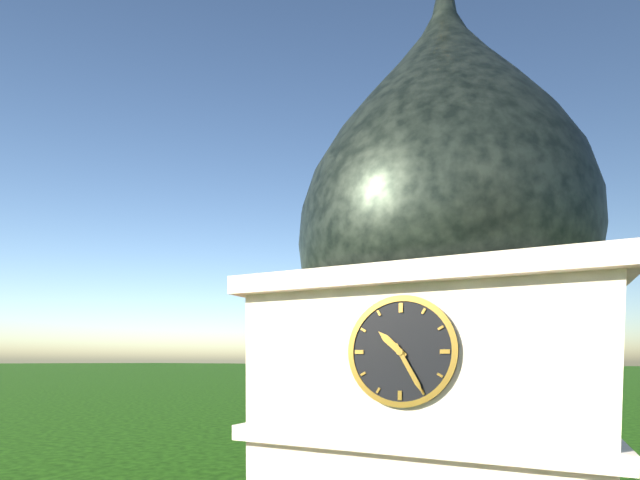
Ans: {"hour": 10, "minute": 25}
